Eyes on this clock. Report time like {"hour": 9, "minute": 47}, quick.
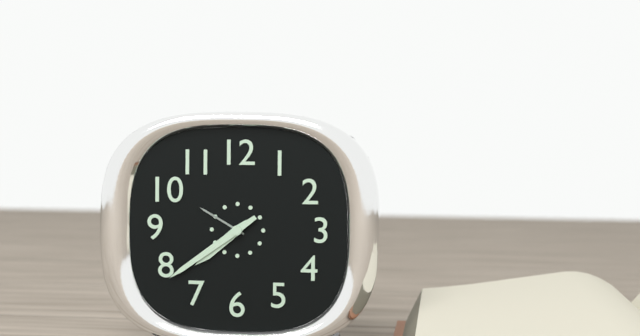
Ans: {"hour": 7, "minute": 39}
